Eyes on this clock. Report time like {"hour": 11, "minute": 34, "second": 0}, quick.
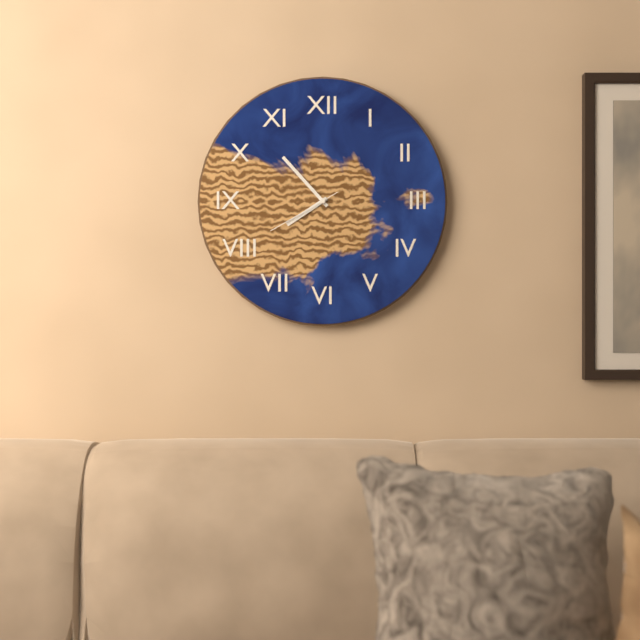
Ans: {"hour": 7, "minute": 53, "second": 40}
